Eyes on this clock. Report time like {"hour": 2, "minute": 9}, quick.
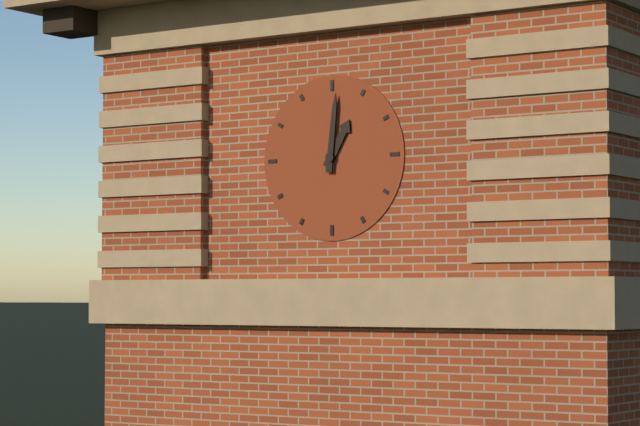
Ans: {"hour": 1, "minute": 1}
